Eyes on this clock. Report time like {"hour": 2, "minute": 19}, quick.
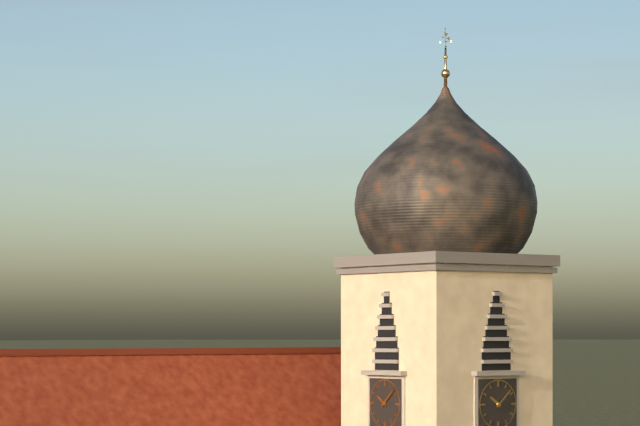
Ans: {"hour": 10, "minute": 8}
